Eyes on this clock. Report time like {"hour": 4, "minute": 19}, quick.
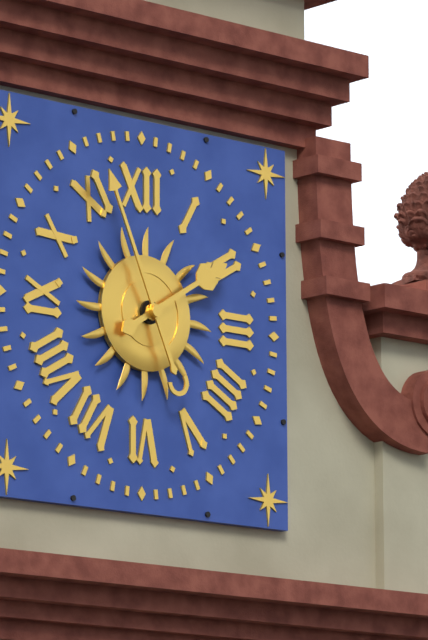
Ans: {"hour": 1, "minute": 56}
